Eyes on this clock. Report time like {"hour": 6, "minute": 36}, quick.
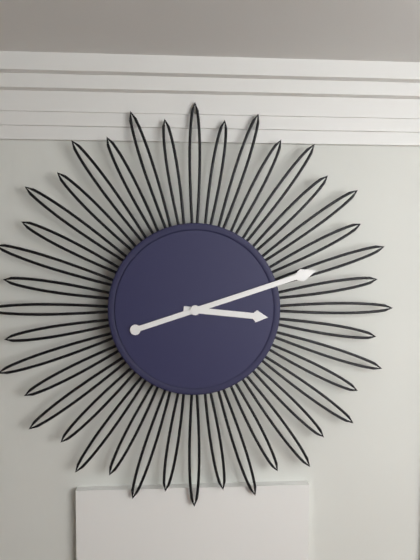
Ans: {"hour": 3, "minute": 12}
